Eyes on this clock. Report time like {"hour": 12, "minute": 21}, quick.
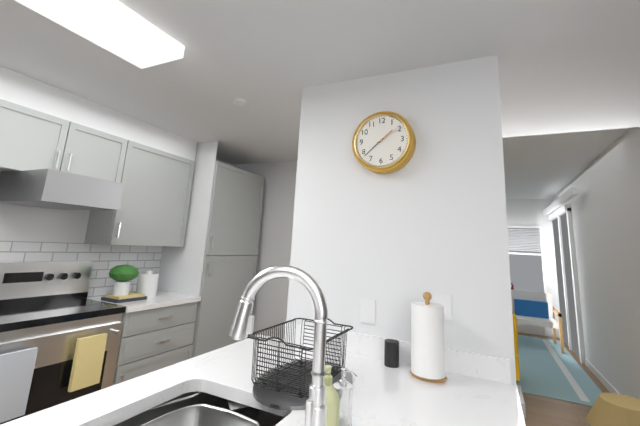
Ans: {"hour": 1, "minute": 38}
